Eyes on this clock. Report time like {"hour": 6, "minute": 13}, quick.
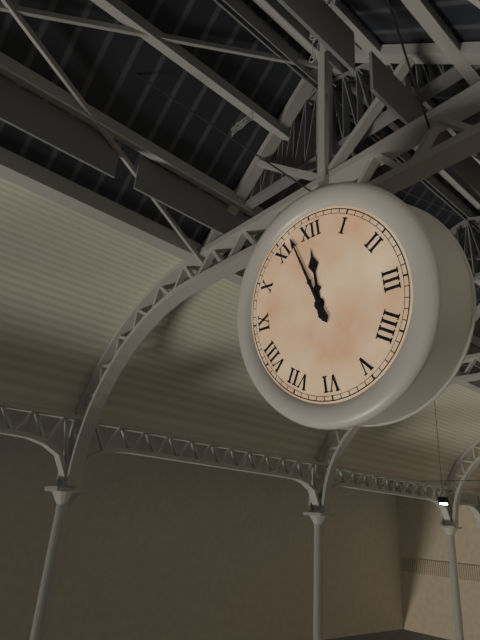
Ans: {"hour": 11, "minute": 57}
